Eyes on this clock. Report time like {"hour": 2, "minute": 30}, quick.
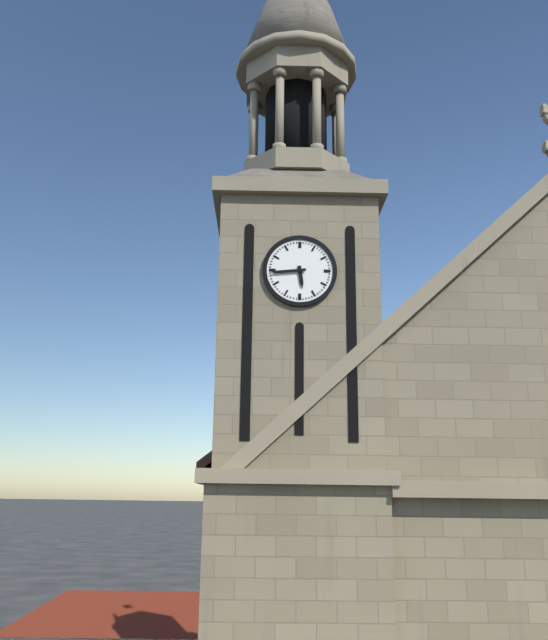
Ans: {"hour": 5, "minute": 44}
